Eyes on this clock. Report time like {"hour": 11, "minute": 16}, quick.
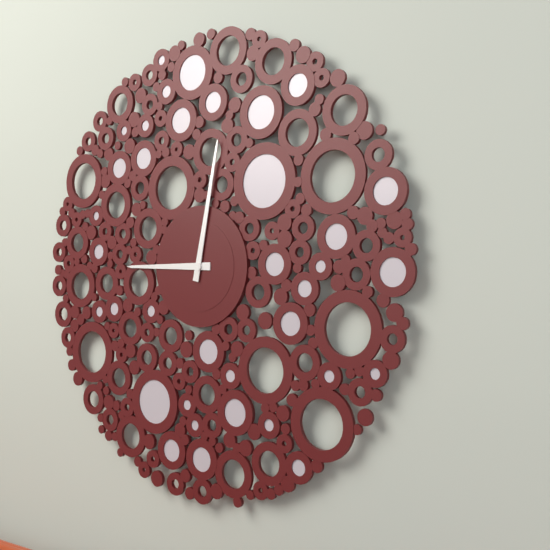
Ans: {"hour": 9, "minute": 2}
